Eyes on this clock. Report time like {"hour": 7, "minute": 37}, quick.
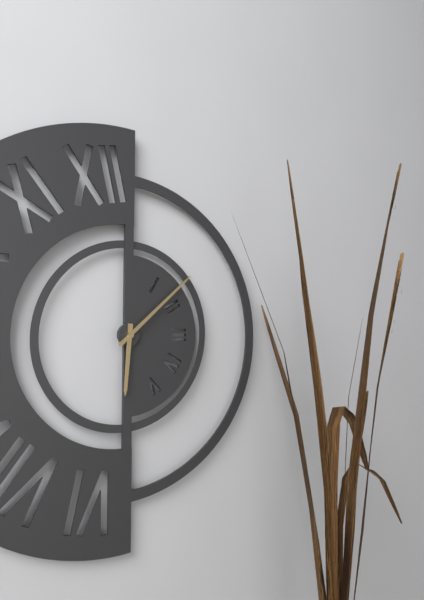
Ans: {"hour": 6, "minute": 8}
